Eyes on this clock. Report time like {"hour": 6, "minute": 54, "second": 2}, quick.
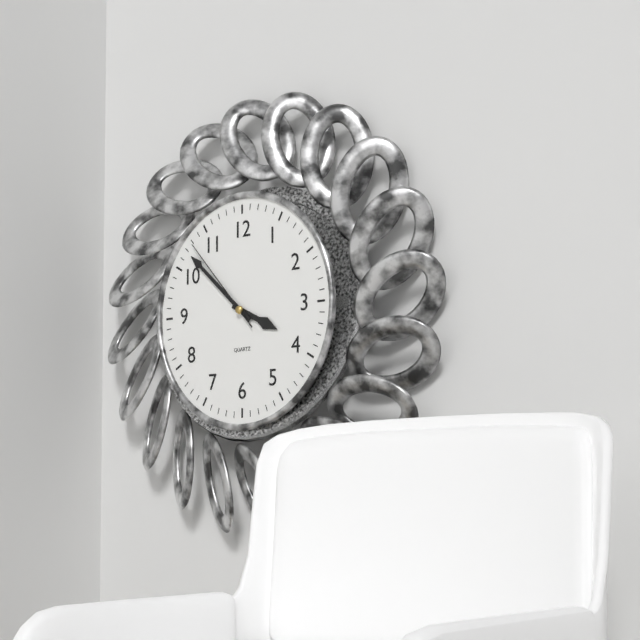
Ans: {"hour": 3, "minute": 52, "second": 53}
